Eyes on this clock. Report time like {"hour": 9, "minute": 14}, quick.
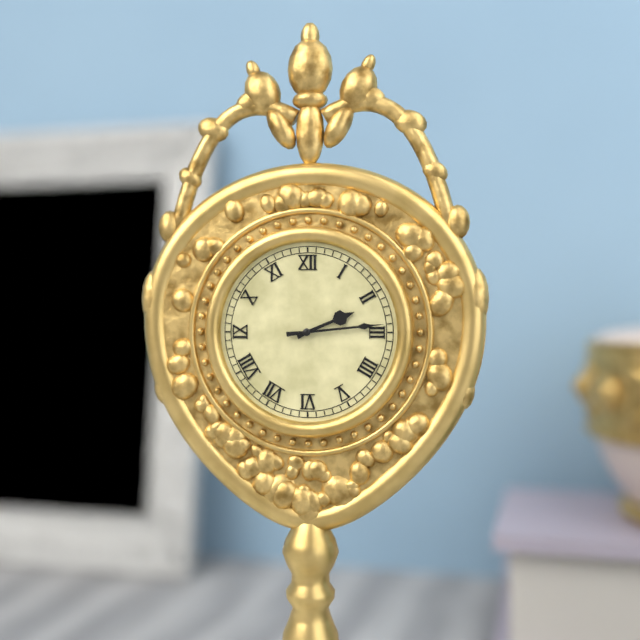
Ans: {"hour": 2, "minute": 14}
